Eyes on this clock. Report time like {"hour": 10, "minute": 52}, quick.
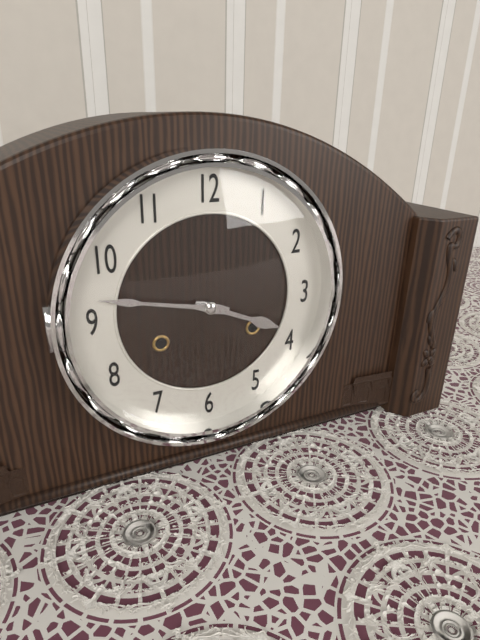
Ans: {"hour": 3, "minute": 47}
